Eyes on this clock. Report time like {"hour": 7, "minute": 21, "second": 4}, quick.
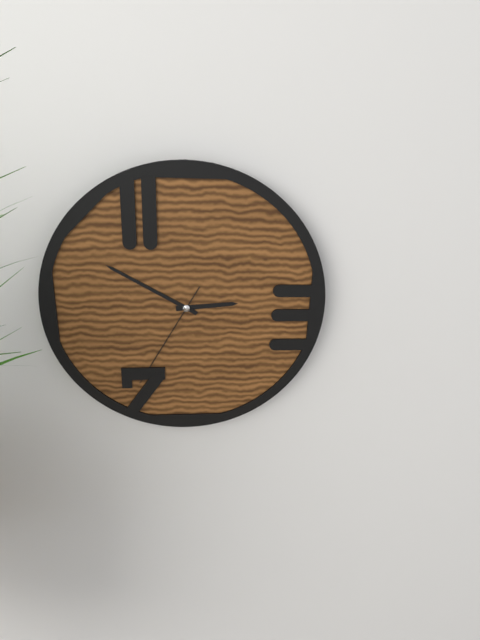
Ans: {"hour": 2, "minute": 50, "second": 35}
